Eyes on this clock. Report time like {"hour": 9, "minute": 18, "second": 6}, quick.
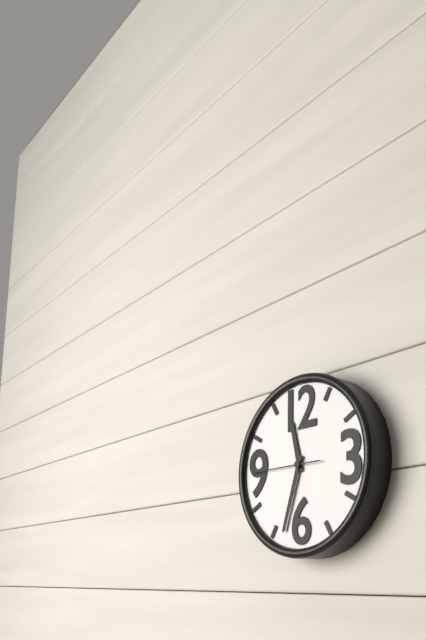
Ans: {"hour": 11, "minute": 33, "second": 45}
